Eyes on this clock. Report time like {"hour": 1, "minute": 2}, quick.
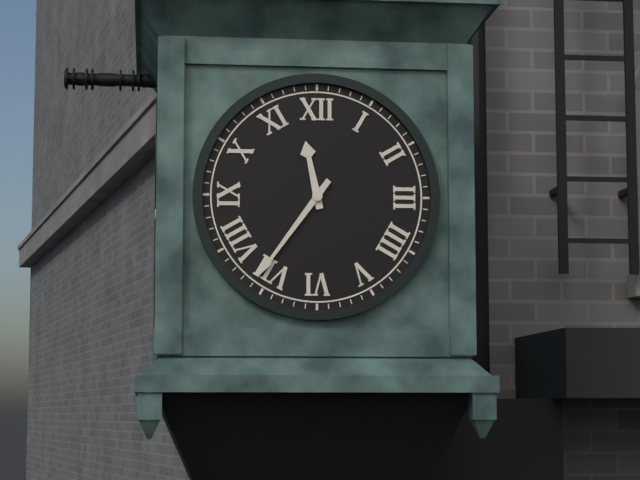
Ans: {"hour": 11, "minute": 36}
